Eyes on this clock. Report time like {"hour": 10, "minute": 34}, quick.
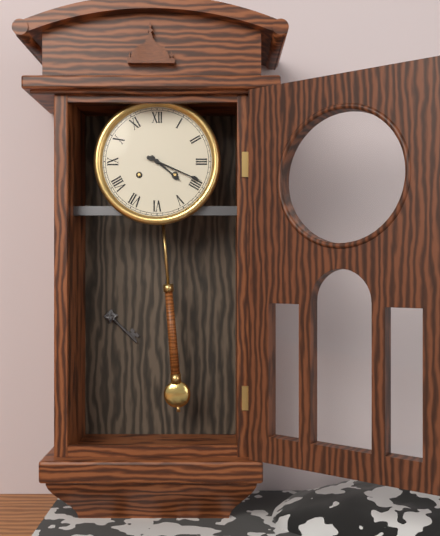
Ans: {"hour": 4, "minute": 19}
